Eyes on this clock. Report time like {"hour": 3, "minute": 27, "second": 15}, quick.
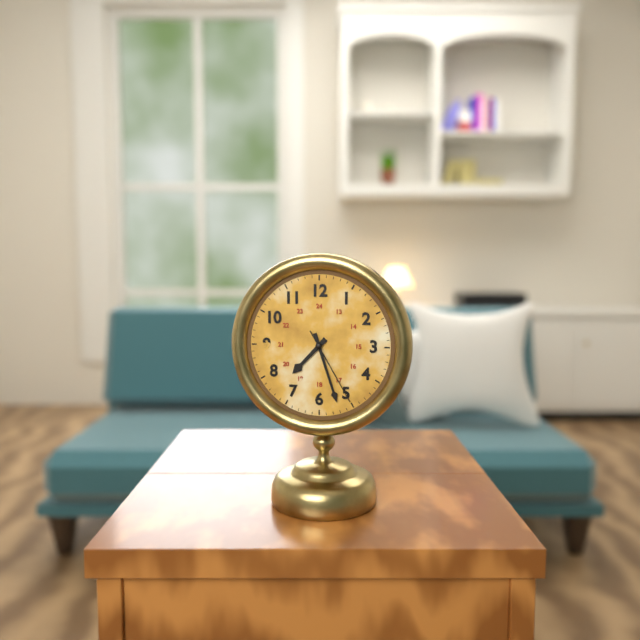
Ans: {"hour": 7, "minute": 27, "second": 25}
